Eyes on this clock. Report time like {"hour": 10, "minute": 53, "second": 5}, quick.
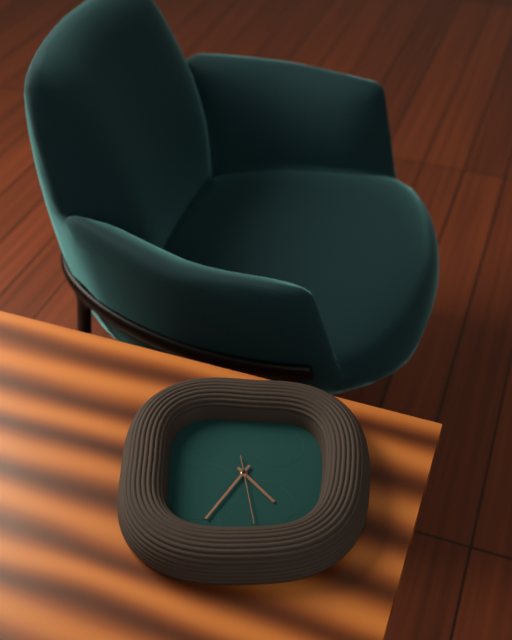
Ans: {"hour": 4, "minute": 35, "second": 28}
